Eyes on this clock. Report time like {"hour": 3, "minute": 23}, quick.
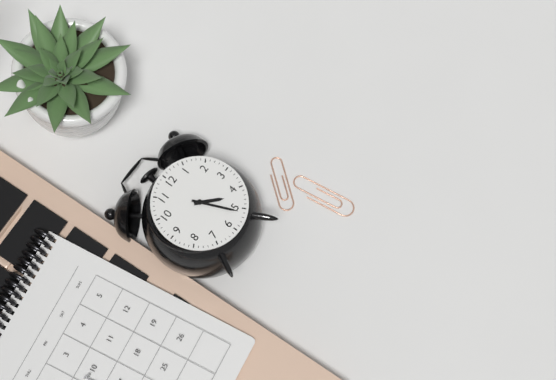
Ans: {"hour": 4, "minute": 26}
